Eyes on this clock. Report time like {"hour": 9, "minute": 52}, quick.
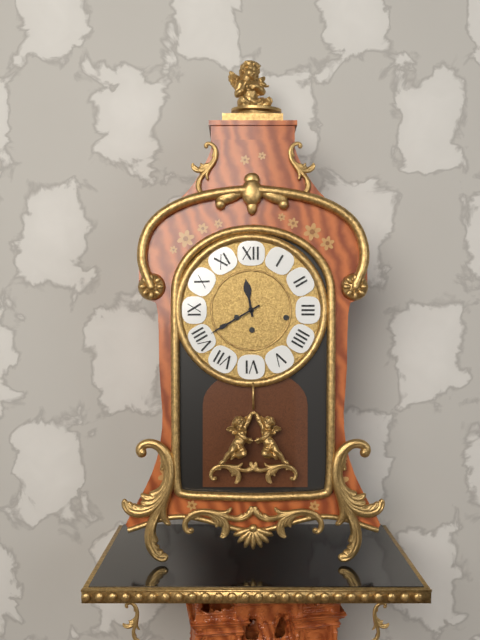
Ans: {"hour": 11, "minute": 40}
